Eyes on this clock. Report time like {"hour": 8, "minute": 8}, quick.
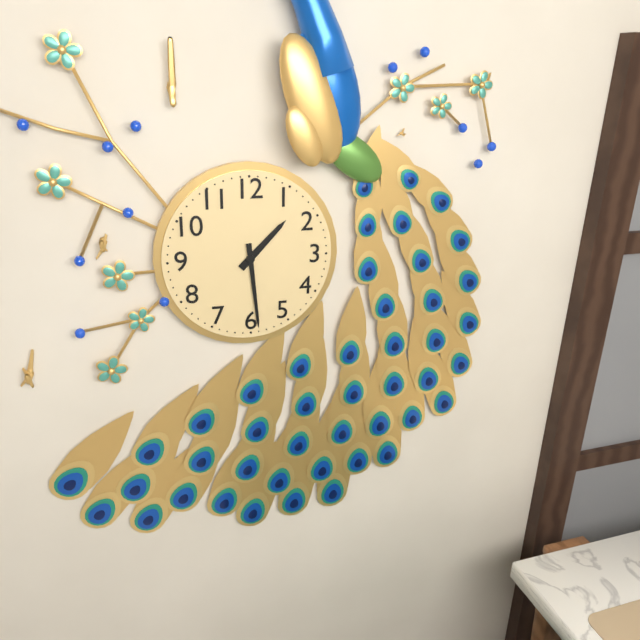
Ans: {"hour": 1, "minute": 29}
